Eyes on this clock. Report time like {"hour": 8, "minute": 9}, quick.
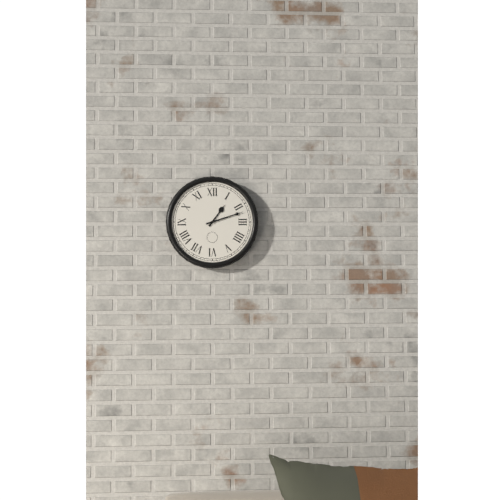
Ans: {"hour": 1, "minute": 12}
